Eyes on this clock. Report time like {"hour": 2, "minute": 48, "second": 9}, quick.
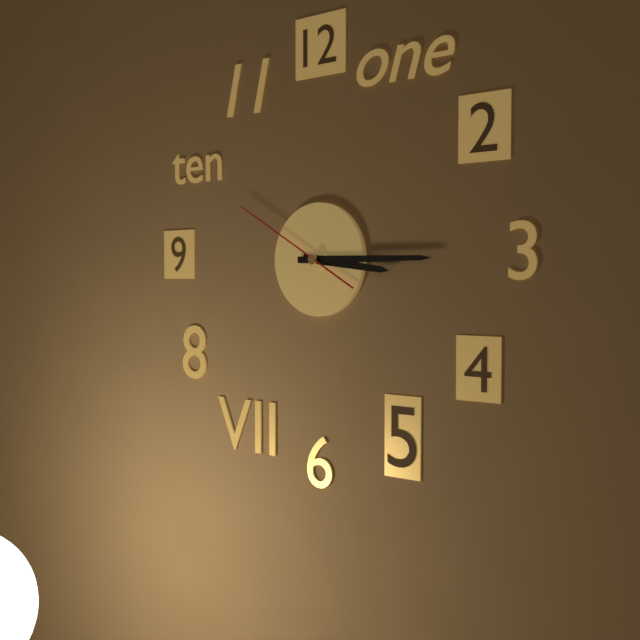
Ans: {"hour": 3, "minute": 15, "second": 50}
